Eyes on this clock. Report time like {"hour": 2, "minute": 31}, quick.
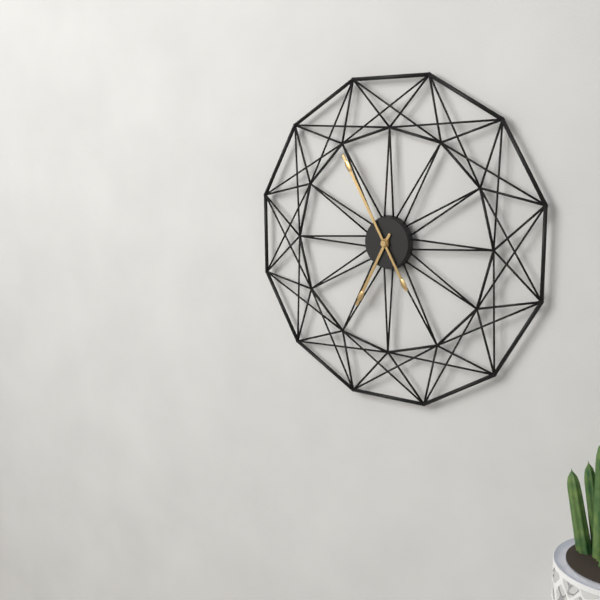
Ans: {"hour": 6, "minute": 55}
